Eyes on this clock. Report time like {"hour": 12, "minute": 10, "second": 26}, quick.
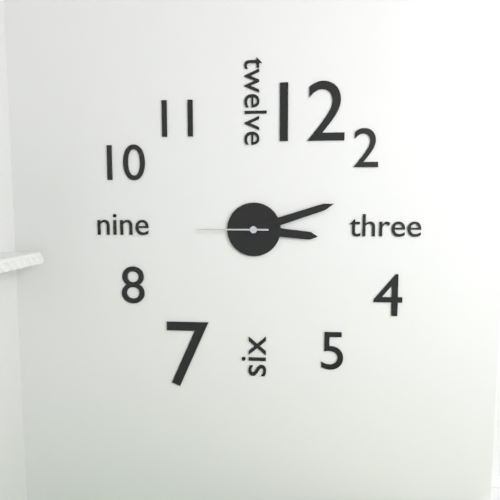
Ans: {"hour": 3, "minute": 12, "second": 45}
